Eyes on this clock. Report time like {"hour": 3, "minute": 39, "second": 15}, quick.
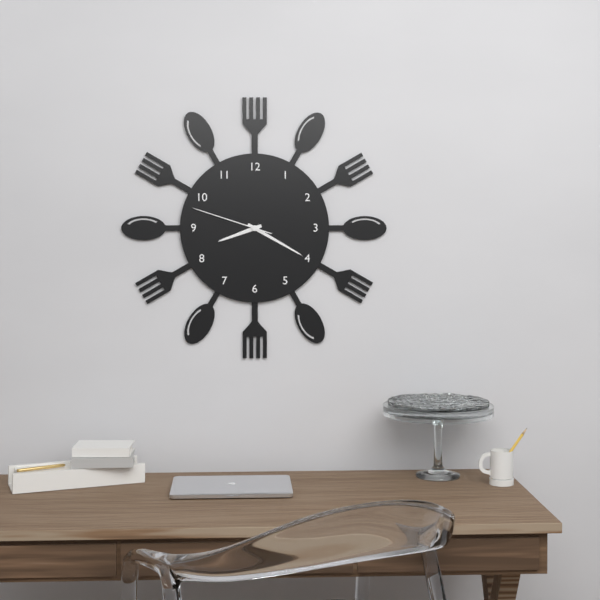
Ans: {"hour": 8, "minute": 20, "second": 48}
